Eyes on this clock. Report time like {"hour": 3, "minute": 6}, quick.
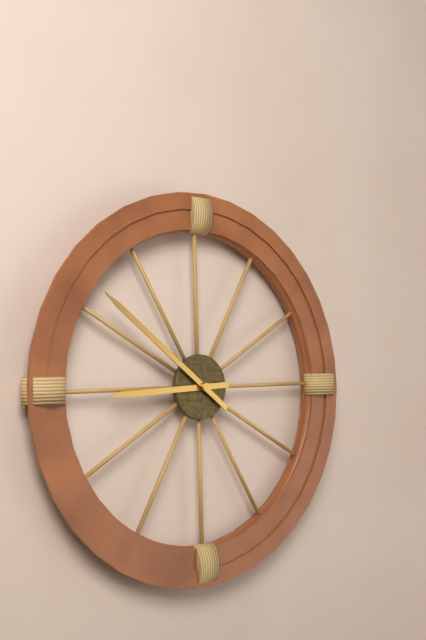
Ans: {"hour": 8, "minute": 51}
